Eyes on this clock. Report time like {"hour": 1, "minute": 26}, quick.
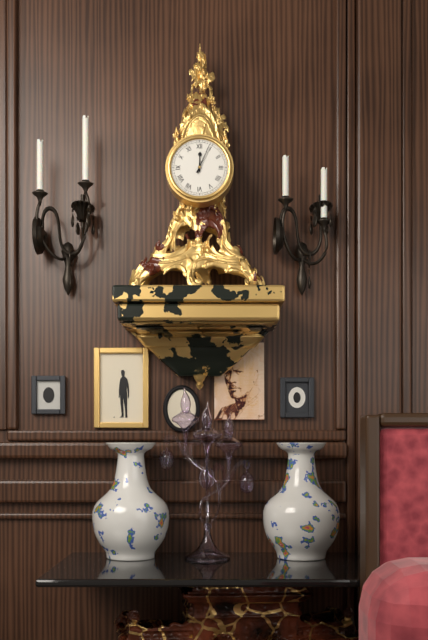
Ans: {"hour": 12, "minute": 4}
